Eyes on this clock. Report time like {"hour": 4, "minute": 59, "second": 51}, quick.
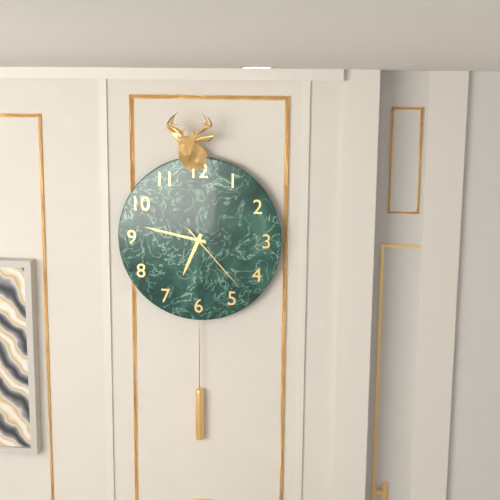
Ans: {"hour": 6, "minute": 47, "second": 23}
